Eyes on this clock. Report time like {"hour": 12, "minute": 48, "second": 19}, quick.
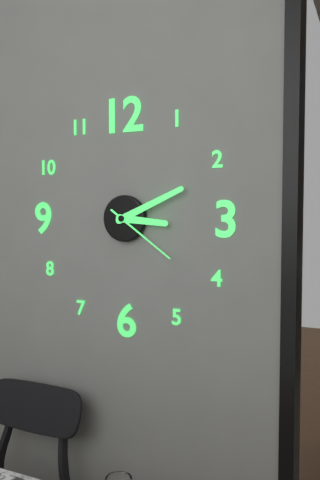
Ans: {"hour": 3, "minute": 11, "second": 21}
